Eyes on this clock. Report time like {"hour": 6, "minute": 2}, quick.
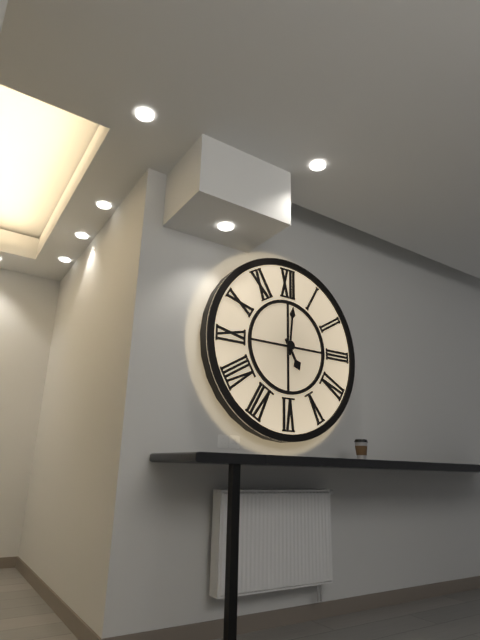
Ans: {"hour": 5, "minute": 1}
